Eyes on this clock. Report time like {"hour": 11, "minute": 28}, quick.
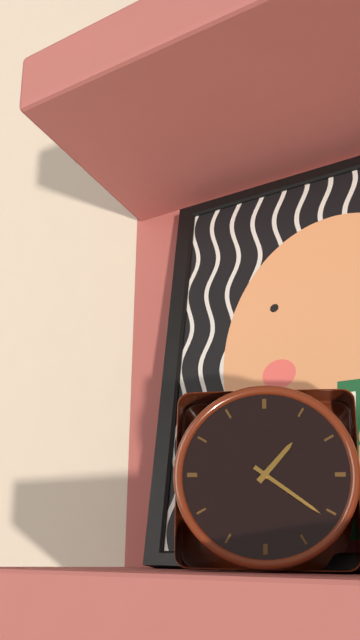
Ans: {"hour": 1, "minute": 21}
